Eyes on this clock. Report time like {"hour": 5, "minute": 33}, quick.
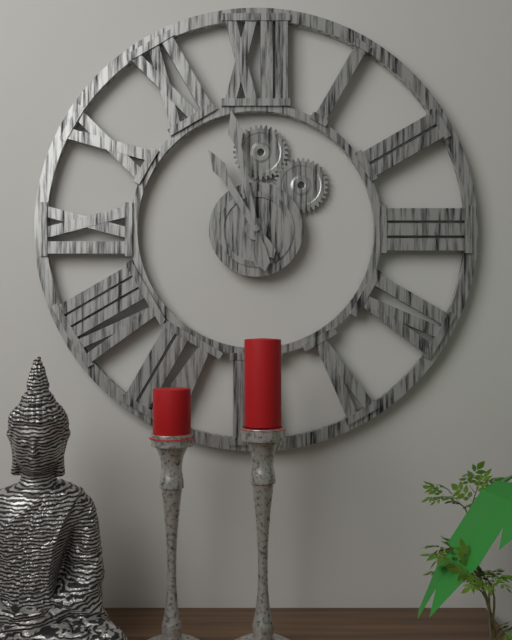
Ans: {"hour": 10, "minute": 58}
